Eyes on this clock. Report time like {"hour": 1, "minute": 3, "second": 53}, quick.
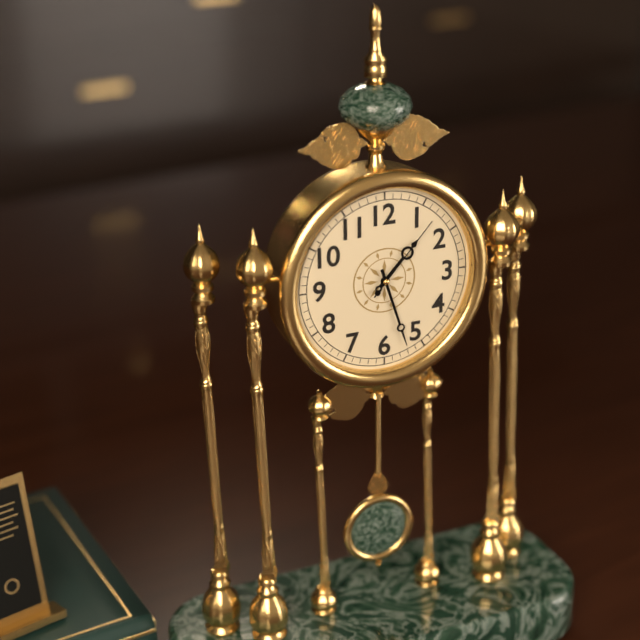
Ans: {"hour": 1, "minute": 27, "second": 7}
